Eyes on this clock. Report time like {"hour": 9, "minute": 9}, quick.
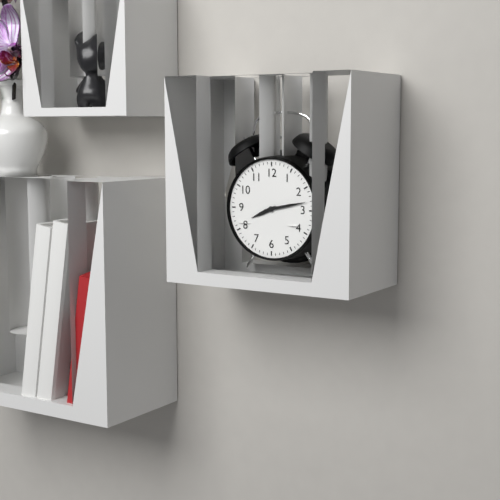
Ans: {"hour": 8, "minute": 13}
